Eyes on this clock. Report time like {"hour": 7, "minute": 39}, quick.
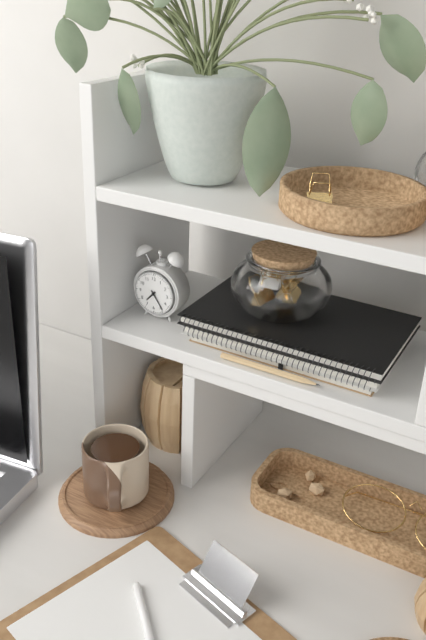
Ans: {"hour": 7, "minute": 24}
